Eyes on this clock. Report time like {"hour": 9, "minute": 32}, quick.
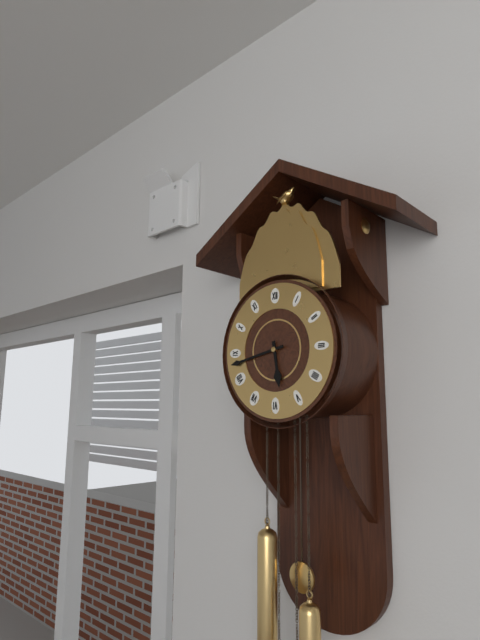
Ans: {"hour": 5, "minute": 43}
